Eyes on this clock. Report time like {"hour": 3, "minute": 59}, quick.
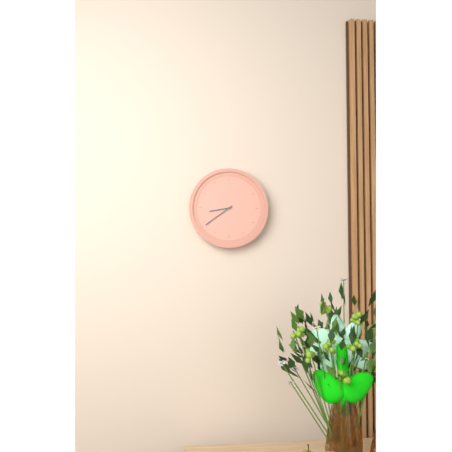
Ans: {"hour": 8, "minute": 39}
